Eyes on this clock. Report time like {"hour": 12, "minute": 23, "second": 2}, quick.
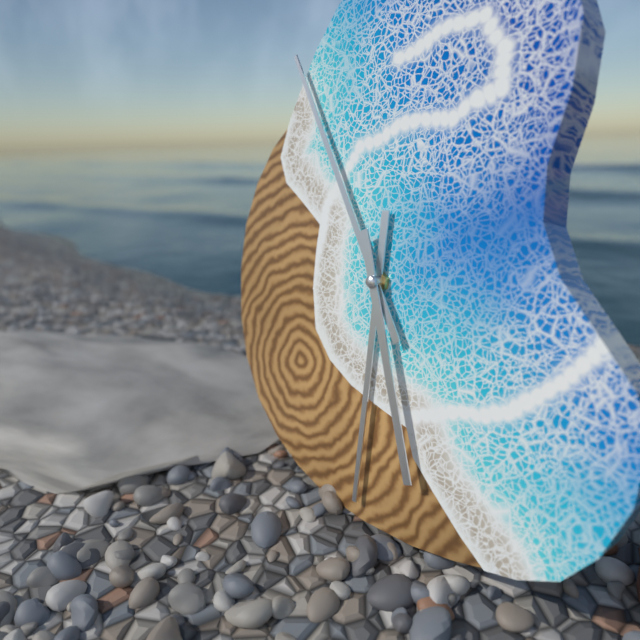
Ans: {"hour": 5, "minute": 54, "second": 26}
